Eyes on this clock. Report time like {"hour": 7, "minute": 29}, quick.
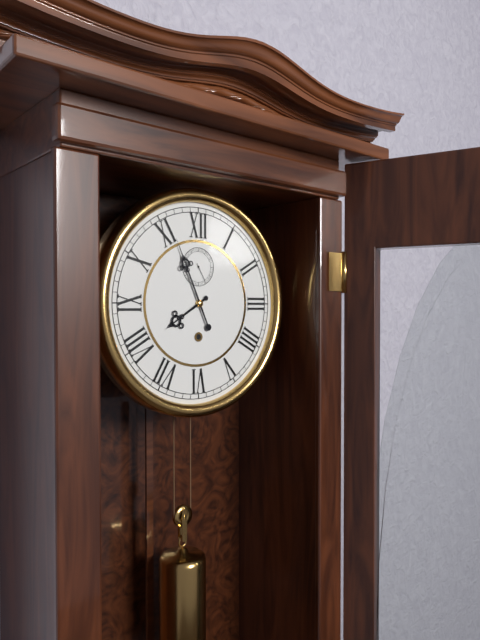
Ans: {"hour": 7, "minute": 56}
